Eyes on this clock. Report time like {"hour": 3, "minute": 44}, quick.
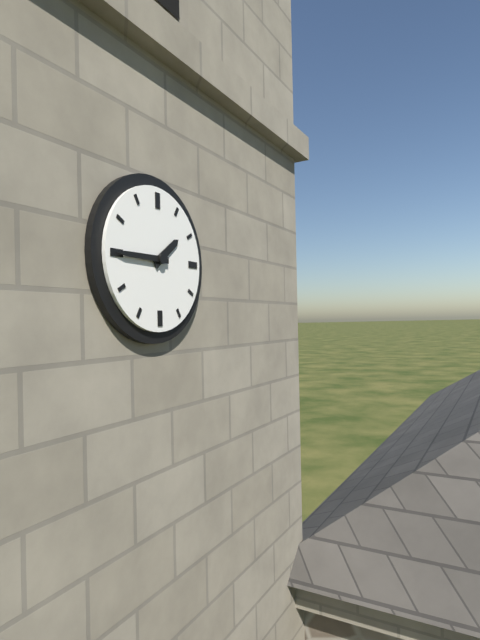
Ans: {"hour": 1, "minute": 45}
